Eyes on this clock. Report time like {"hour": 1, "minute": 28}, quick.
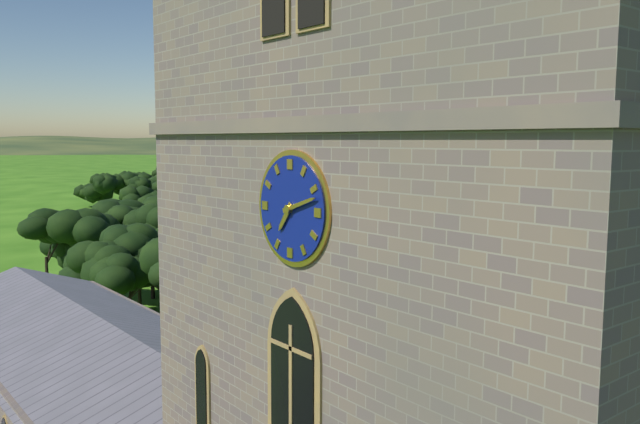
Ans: {"hour": 7, "minute": 12}
